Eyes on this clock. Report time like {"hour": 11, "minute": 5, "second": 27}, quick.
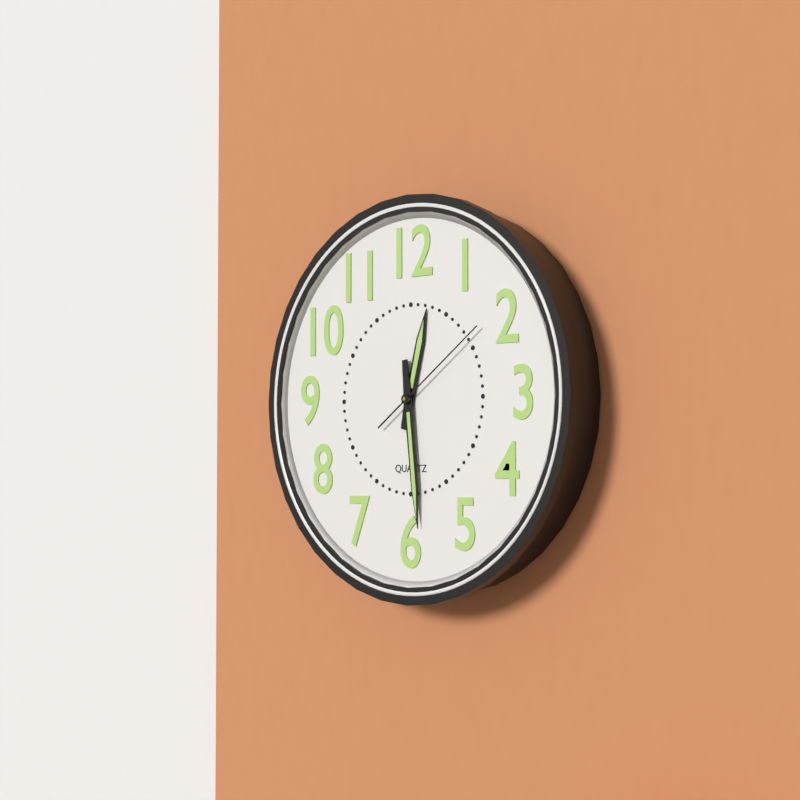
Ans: {"hour": 12, "minute": 29, "second": 9}
